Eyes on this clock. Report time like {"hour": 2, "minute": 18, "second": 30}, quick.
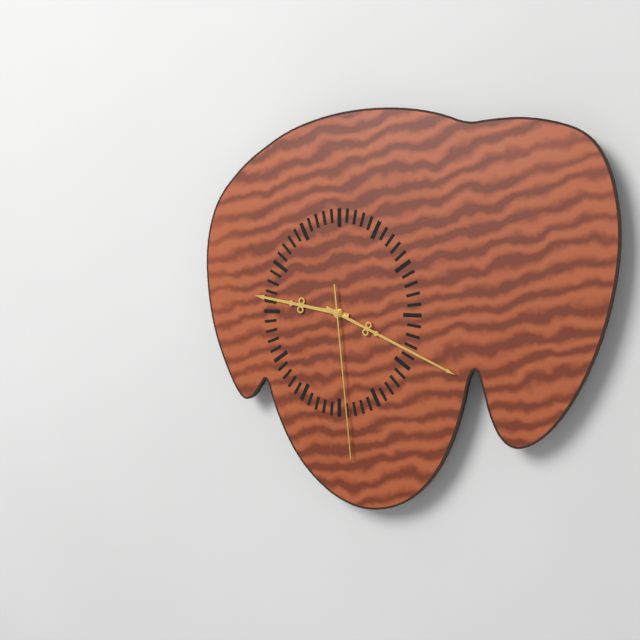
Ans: {"hour": 9, "minute": 19, "second": 29}
